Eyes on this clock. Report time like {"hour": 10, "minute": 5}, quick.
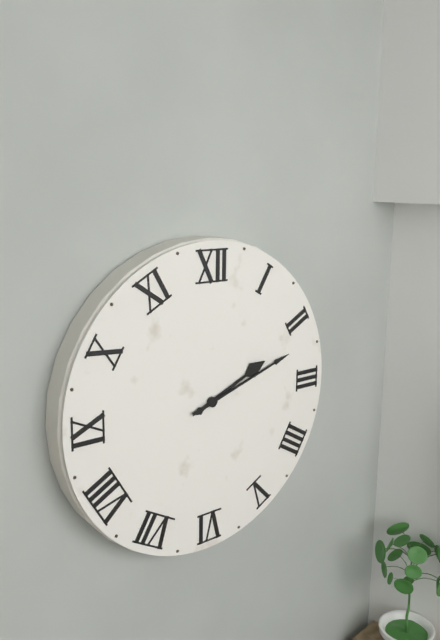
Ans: {"hour": 2, "minute": 12}
